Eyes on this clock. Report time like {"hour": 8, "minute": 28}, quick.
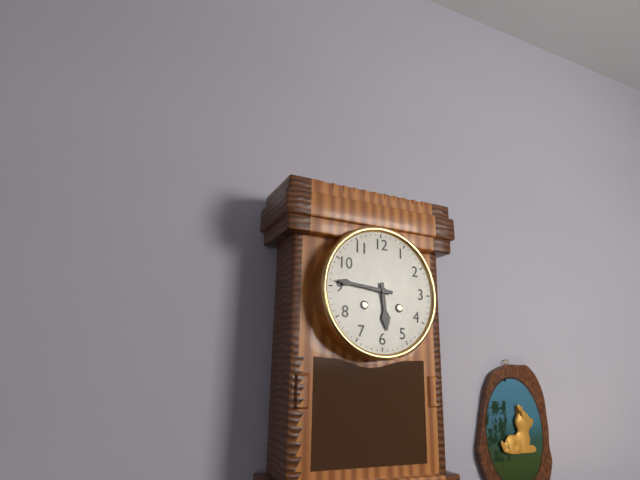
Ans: {"hour": 5, "minute": 46}
